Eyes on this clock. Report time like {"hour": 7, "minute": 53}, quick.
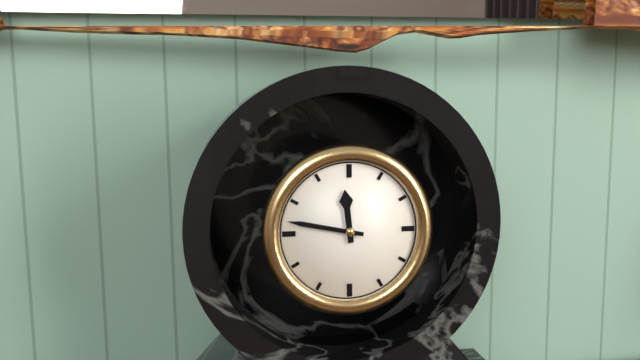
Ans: {"hour": 11, "minute": 47}
